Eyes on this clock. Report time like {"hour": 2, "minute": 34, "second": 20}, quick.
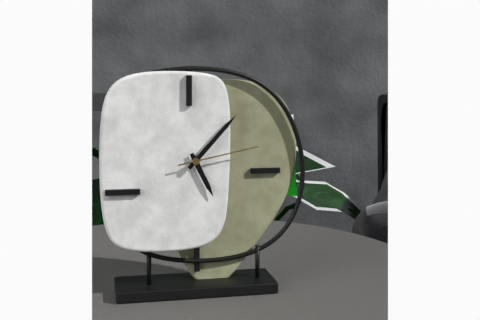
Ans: {"hour": 5, "minute": 7, "second": 13}
